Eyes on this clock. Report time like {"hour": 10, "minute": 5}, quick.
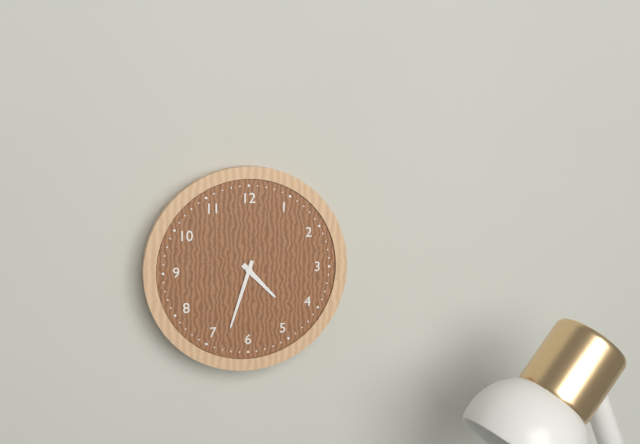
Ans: {"hour": 4, "minute": 33}
